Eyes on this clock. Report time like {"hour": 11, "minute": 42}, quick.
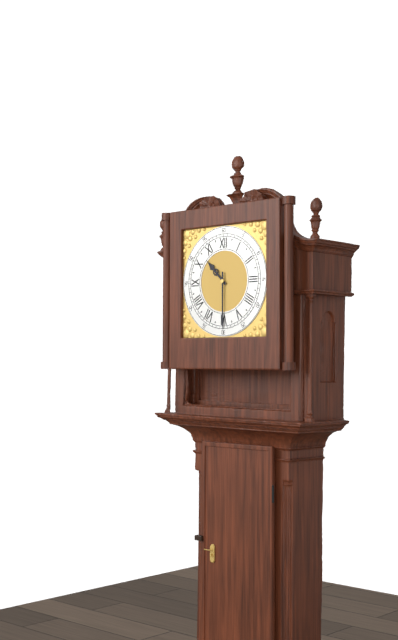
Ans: {"hour": 10, "minute": 30}
